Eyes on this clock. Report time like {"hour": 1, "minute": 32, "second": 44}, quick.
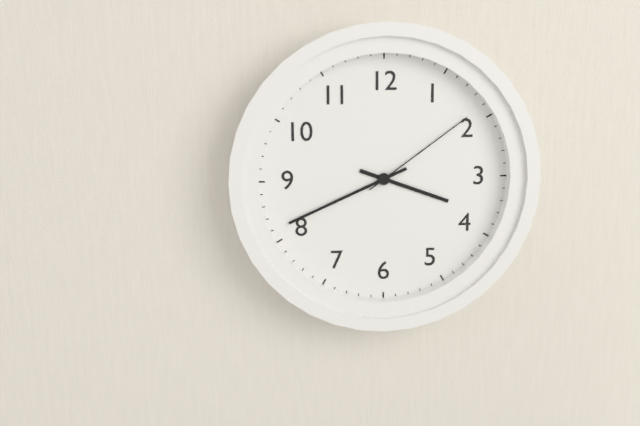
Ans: {"hour": 3, "minute": 41, "second": 9}
